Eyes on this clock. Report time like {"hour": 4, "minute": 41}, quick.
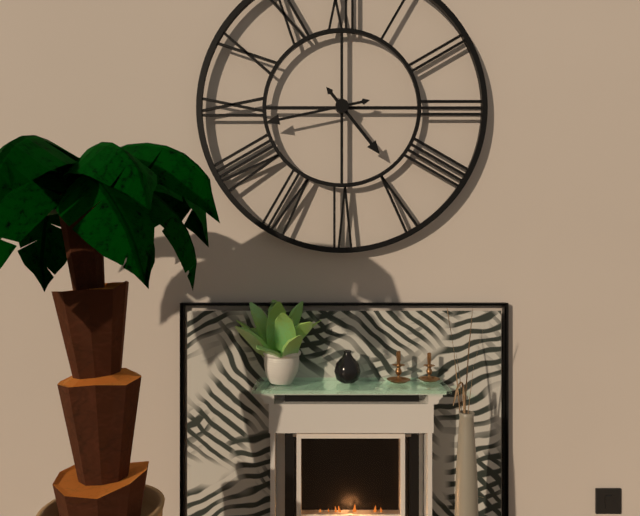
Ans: {"hour": 4, "minute": 43}
